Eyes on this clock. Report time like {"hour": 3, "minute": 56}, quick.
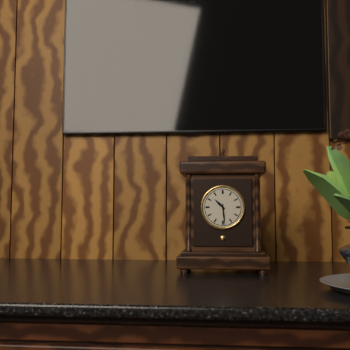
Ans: {"hour": 10, "minute": 29}
